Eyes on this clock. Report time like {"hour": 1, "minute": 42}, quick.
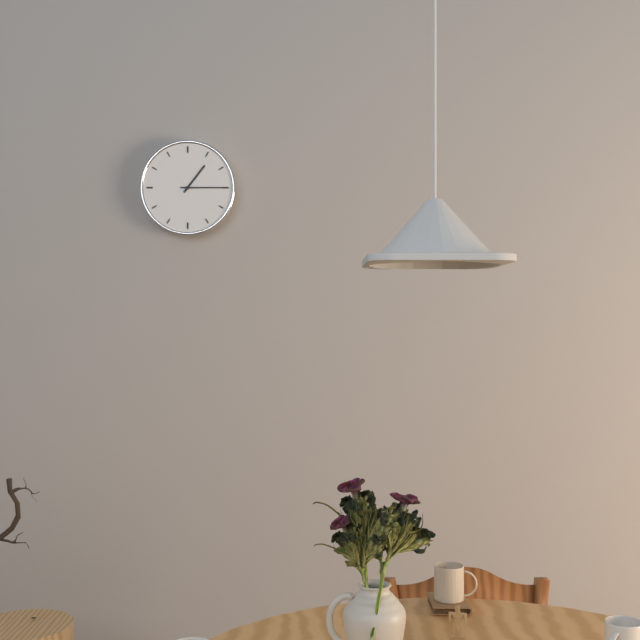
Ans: {"hour": 1, "minute": 15}
